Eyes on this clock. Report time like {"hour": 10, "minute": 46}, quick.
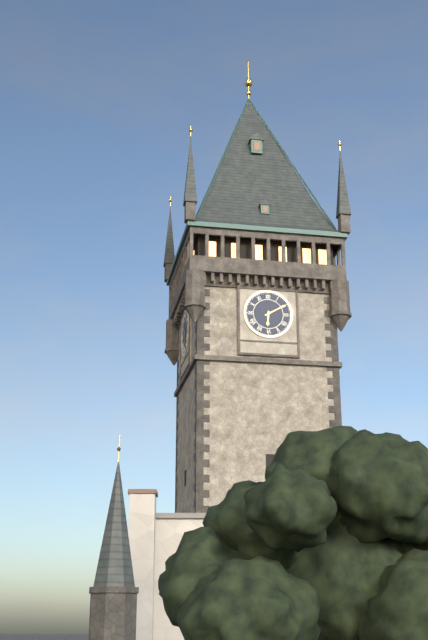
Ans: {"hour": 6, "minute": 10}
